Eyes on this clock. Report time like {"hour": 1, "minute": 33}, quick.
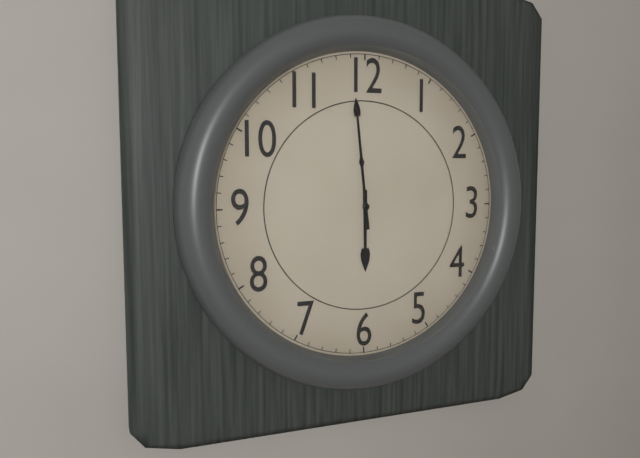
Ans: {"hour": 5, "minute": 59}
